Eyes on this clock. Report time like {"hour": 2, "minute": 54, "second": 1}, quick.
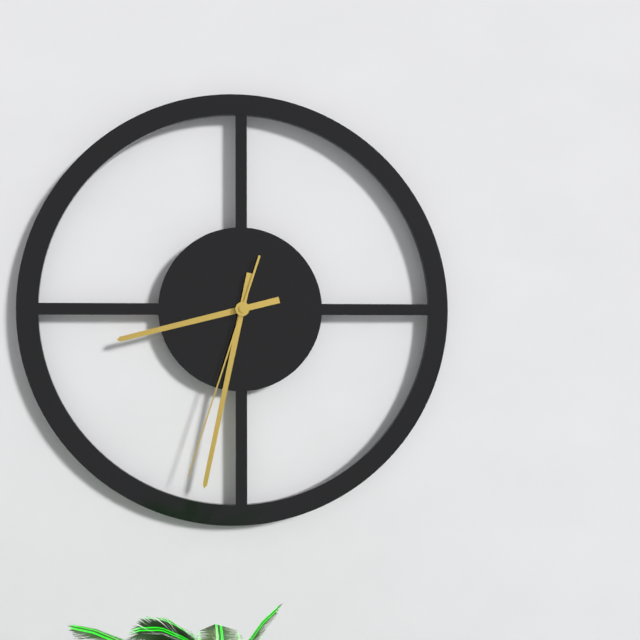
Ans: {"hour": 8, "minute": 32, "second": 33}
